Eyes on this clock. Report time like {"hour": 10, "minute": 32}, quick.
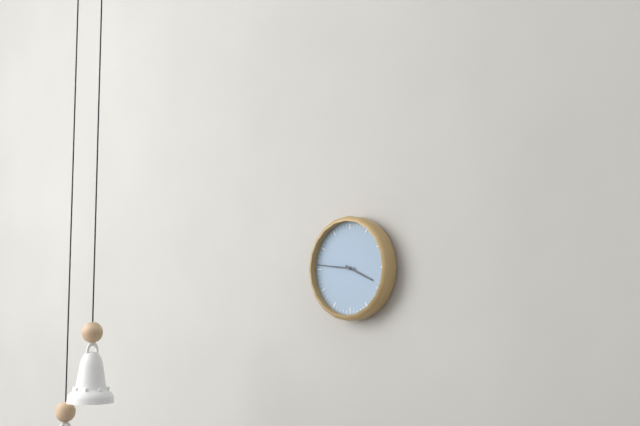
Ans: {"hour": 3, "minute": 46}
